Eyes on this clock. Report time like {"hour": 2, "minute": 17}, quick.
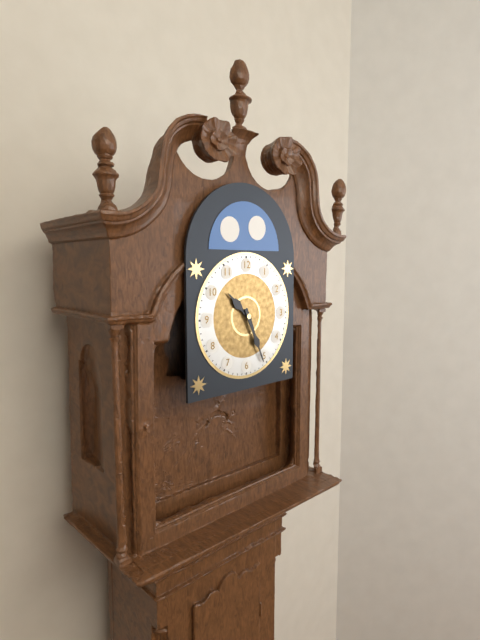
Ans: {"hour": 10, "minute": 26}
